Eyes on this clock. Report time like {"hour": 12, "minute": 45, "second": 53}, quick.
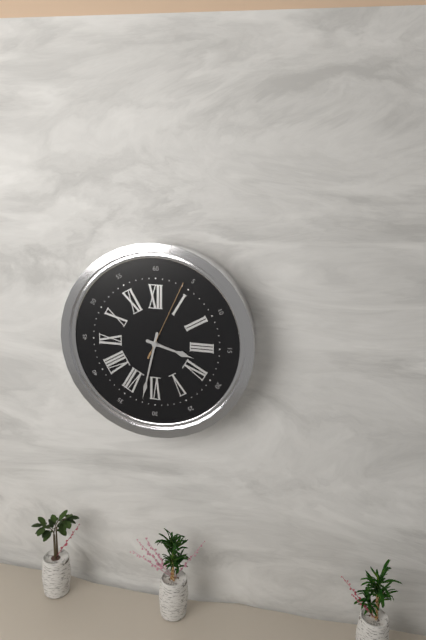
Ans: {"hour": 3, "minute": 32, "second": 4}
